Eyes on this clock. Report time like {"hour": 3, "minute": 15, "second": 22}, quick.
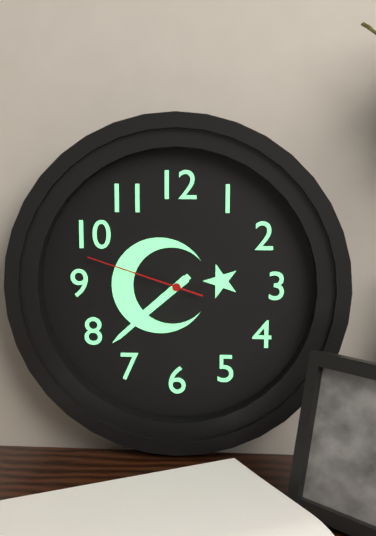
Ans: {"hour": 7, "minute": 38, "second": 48}
